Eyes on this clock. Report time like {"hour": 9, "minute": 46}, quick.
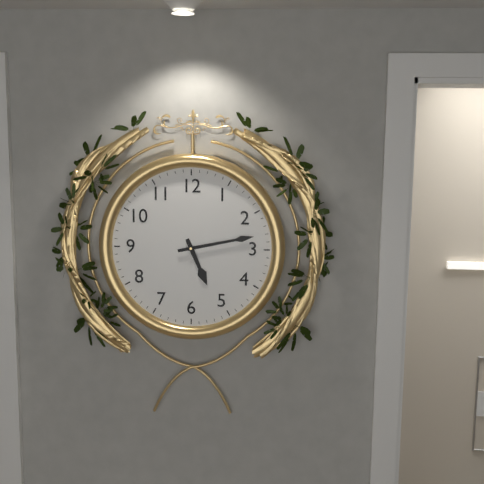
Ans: {"hour": 5, "minute": 13}
